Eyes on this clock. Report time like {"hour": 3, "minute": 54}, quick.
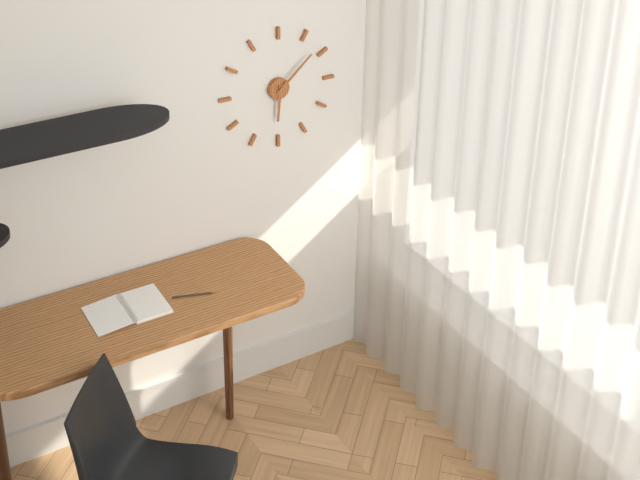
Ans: {"hour": 6, "minute": 8}
